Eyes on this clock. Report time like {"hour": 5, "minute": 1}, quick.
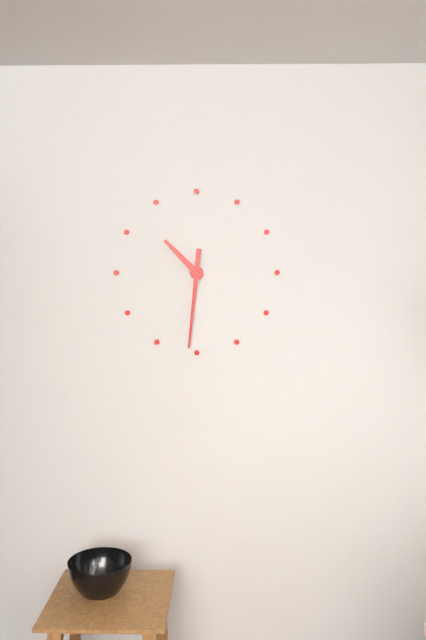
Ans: {"hour": 10, "minute": 31}
